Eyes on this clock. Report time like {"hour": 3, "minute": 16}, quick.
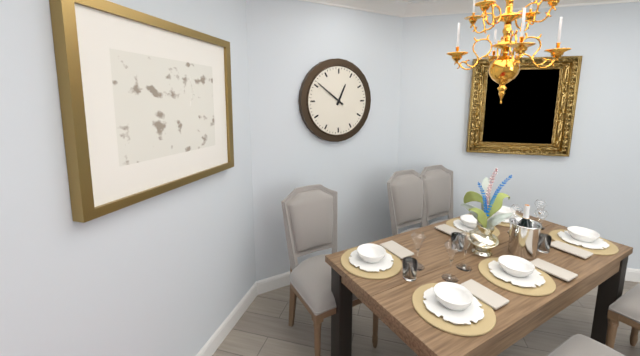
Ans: {"hour": 12, "minute": 51}
